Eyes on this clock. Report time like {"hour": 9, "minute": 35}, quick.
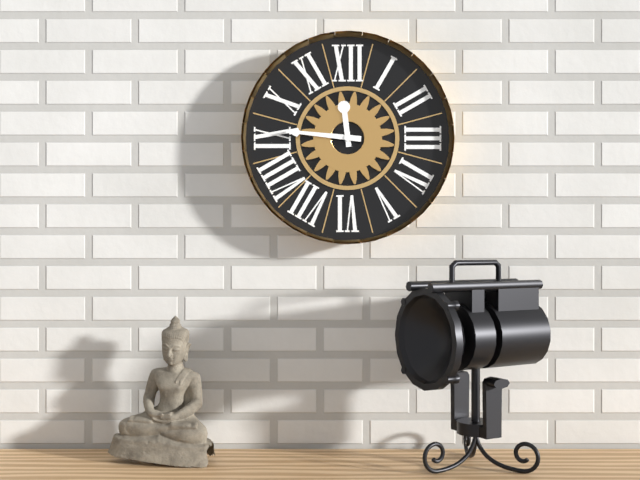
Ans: {"hour": 11, "minute": 46}
